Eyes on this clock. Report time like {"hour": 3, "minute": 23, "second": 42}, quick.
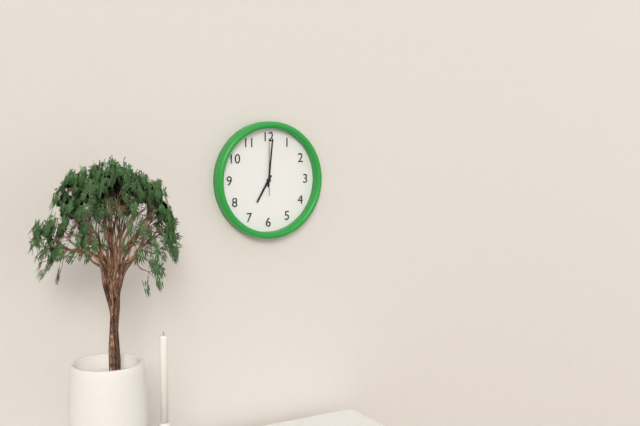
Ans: {"hour": 7, "minute": 1, "second": 0}
